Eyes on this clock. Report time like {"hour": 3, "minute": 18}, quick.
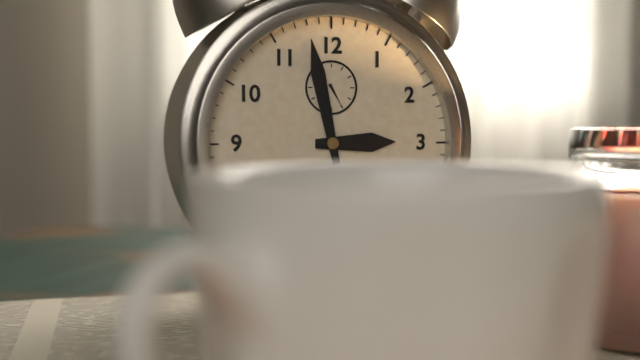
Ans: {"hour": 2, "minute": 58}
